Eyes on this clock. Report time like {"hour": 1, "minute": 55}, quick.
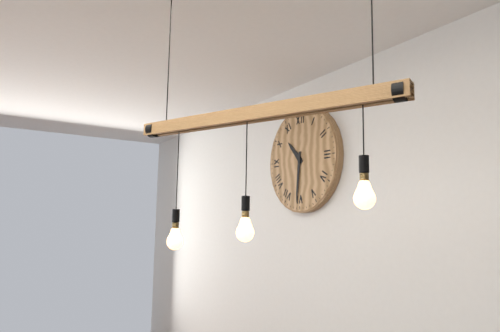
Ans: {"hour": 10, "minute": 31}
